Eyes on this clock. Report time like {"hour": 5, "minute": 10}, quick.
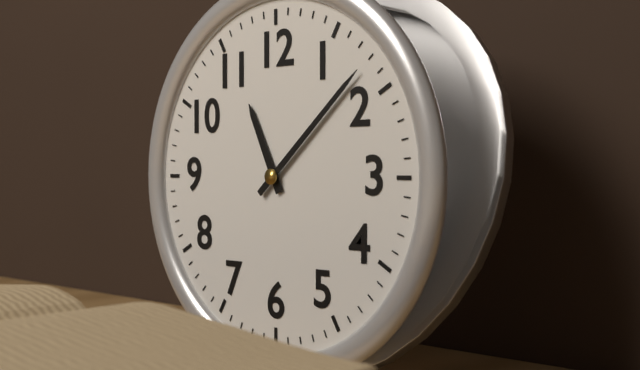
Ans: {"hour": 11, "minute": 8}
